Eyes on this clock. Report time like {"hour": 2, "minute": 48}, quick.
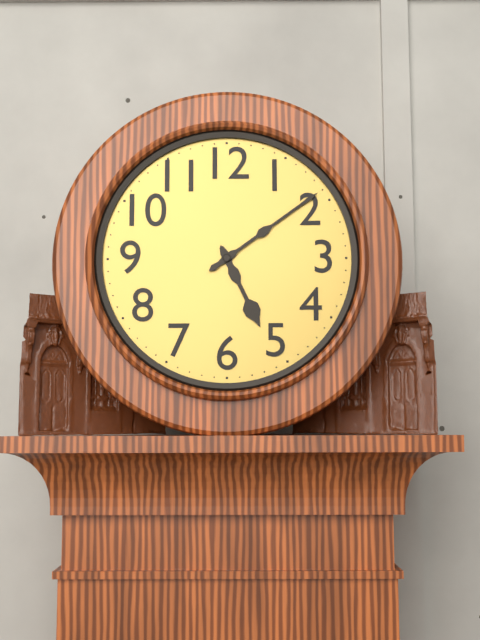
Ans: {"hour": 5, "minute": 9}
